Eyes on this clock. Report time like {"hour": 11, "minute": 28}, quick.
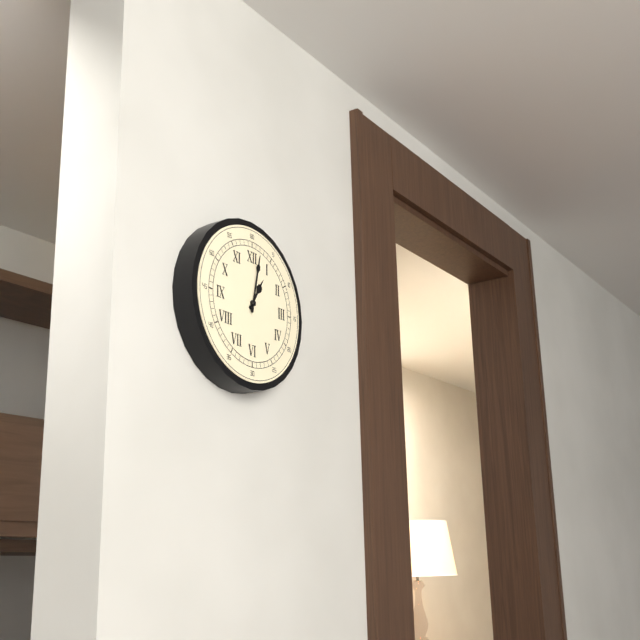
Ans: {"hour": 1, "minute": 2}
